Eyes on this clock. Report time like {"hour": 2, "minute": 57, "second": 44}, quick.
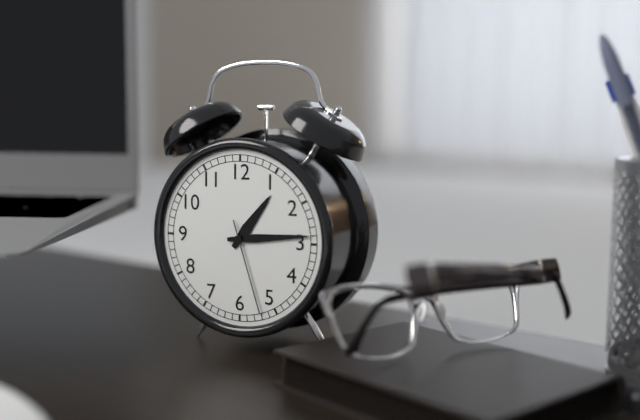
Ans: {"hour": 1, "minute": 14, "second": 27}
